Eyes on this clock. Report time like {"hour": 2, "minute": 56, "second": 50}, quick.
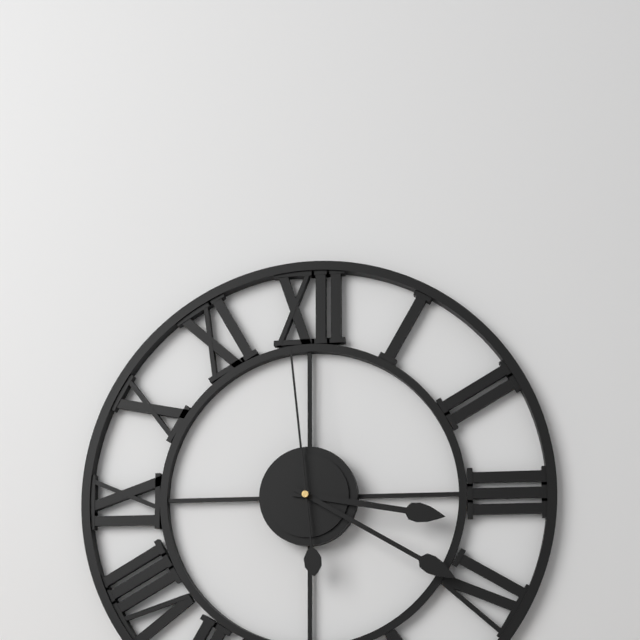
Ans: {"hour": 3, "minute": 20, "second": 59}
